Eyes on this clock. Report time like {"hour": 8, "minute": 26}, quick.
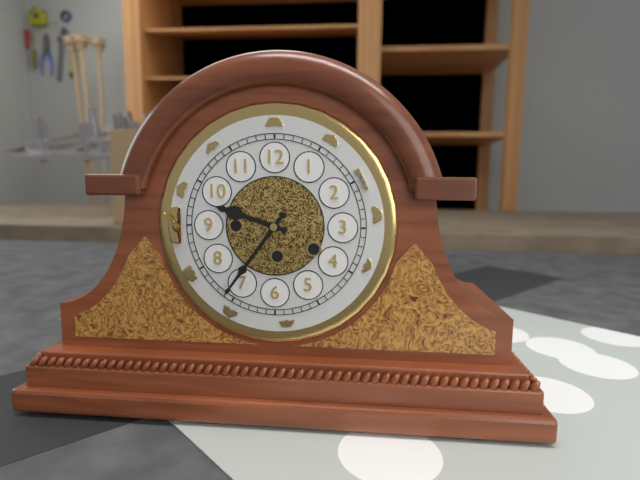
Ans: {"hour": 9, "minute": 36}
